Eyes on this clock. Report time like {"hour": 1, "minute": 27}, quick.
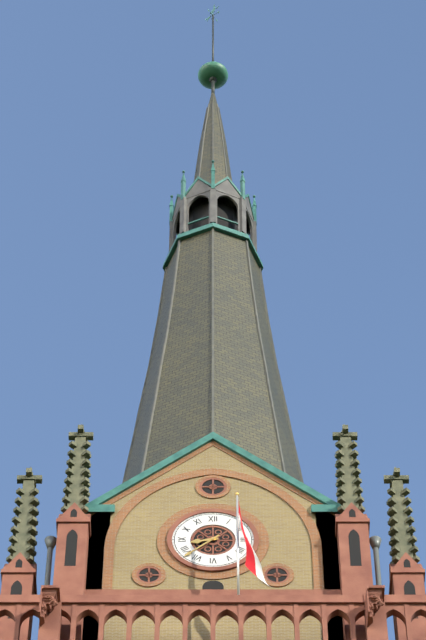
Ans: {"hour": 8, "minute": 38}
